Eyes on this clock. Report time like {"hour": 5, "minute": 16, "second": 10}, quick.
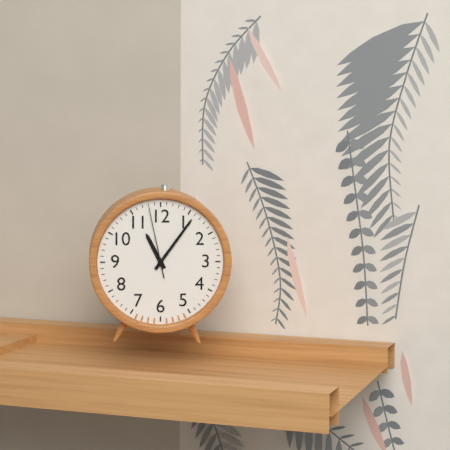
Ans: {"hour": 11, "minute": 6, "second": 58}
